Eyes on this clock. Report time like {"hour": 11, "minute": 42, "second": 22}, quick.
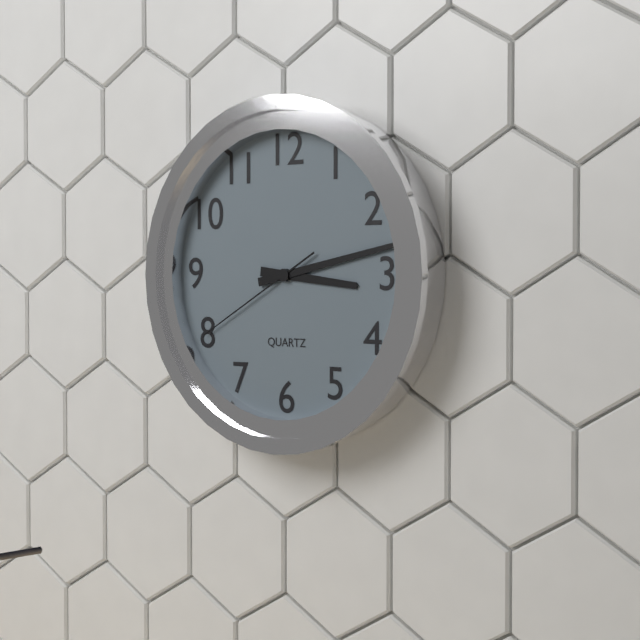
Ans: {"hour": 3, "minute": 13, "second": 40}
